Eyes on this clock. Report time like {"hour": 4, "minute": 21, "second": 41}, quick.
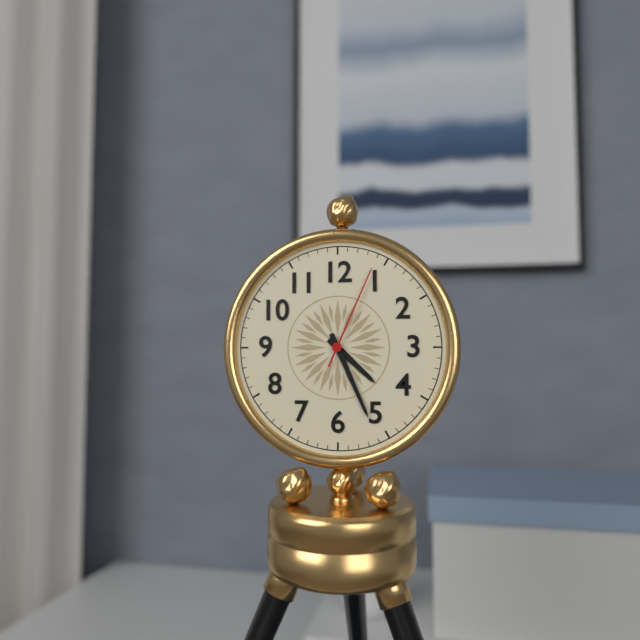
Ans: {"hour": 4, "minute": 26, "second": 4}
